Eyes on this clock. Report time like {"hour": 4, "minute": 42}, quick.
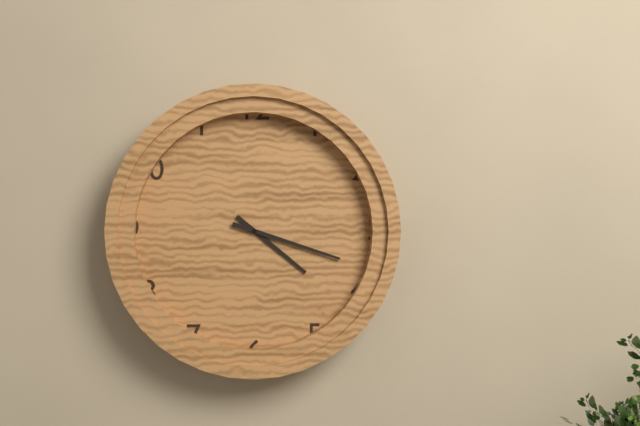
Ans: {"hour": 4, "minute": 18}
